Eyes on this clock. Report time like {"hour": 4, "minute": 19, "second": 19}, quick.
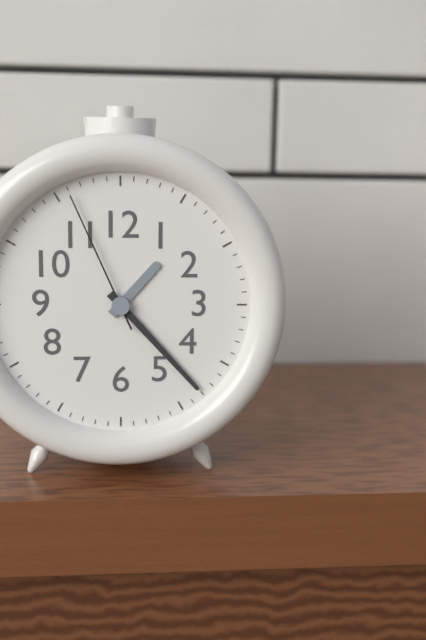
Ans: {"hour": 1, "minute": 23, "second": 56}
